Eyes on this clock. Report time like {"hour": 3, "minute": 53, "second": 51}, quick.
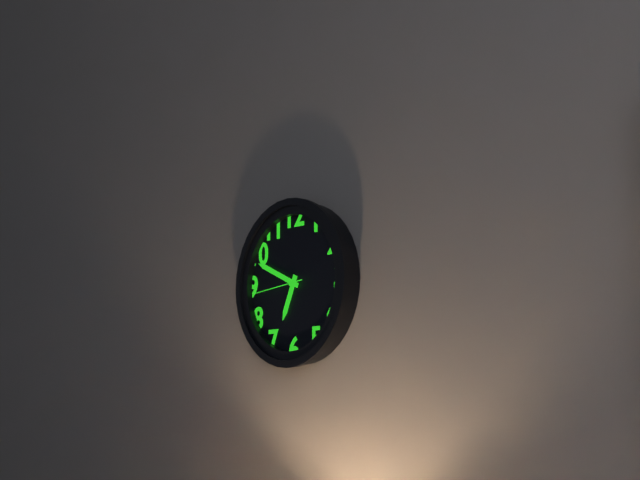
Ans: {"hour": 6, "minute": 49, "second": 44}
